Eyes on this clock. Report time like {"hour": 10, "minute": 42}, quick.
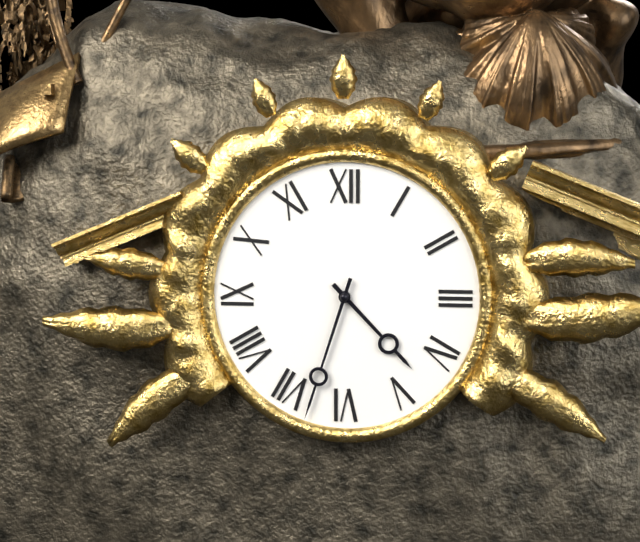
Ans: {"hour": 4, "minute": 33}
